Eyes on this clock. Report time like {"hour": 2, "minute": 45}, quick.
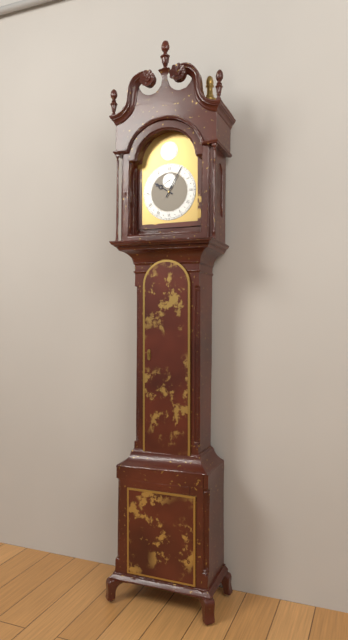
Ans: {"hour": 10, "minute": 5}
